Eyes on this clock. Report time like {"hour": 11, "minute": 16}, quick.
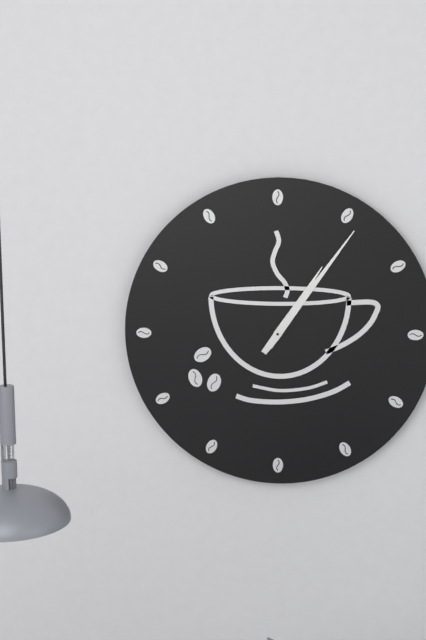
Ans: {"hour": 1, "minute": 6}
